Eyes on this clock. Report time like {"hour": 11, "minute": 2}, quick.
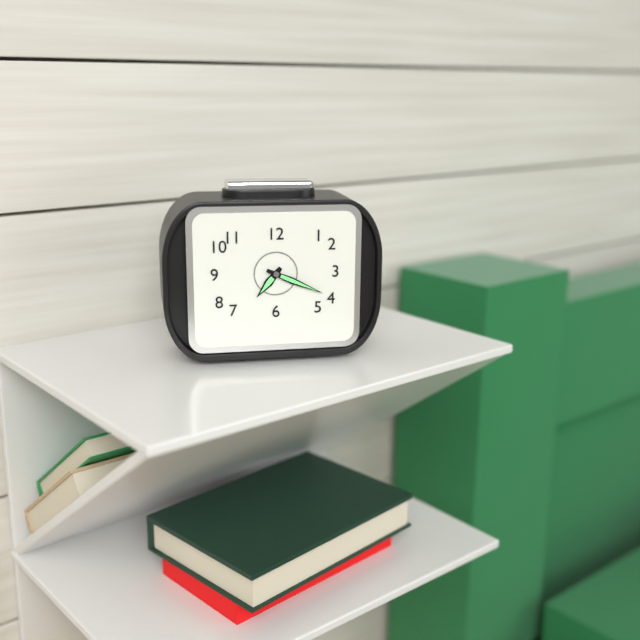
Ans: {"hour": 7, "minute": 19}
